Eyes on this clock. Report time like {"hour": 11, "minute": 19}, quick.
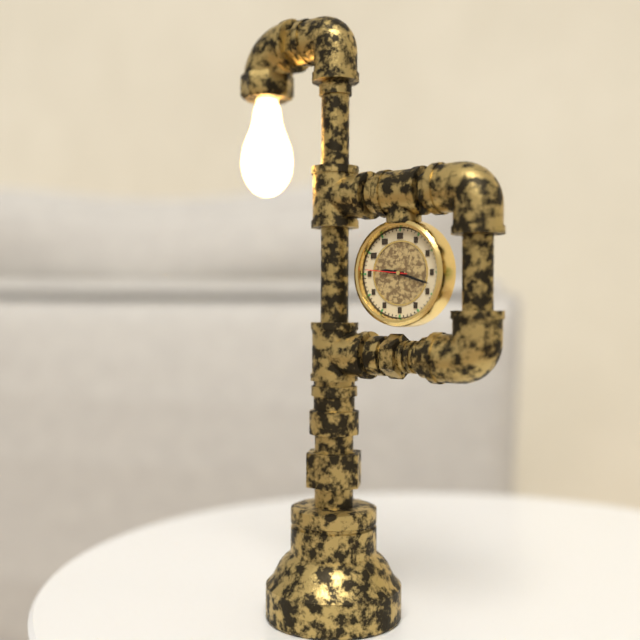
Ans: {"hour": 9, "minute": 18}
